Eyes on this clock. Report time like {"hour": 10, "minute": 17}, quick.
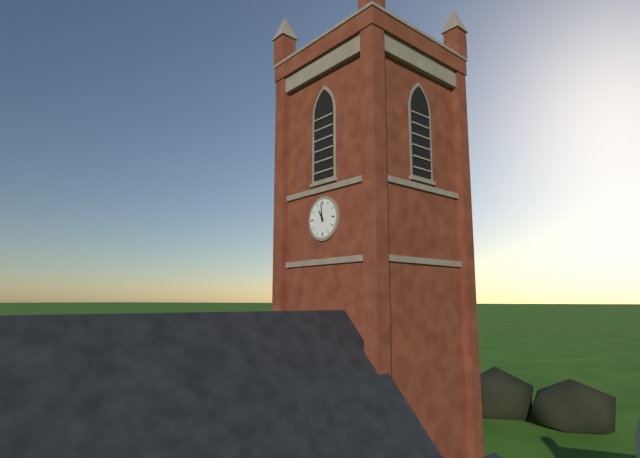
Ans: {"hour": 10, "minute": 59}
